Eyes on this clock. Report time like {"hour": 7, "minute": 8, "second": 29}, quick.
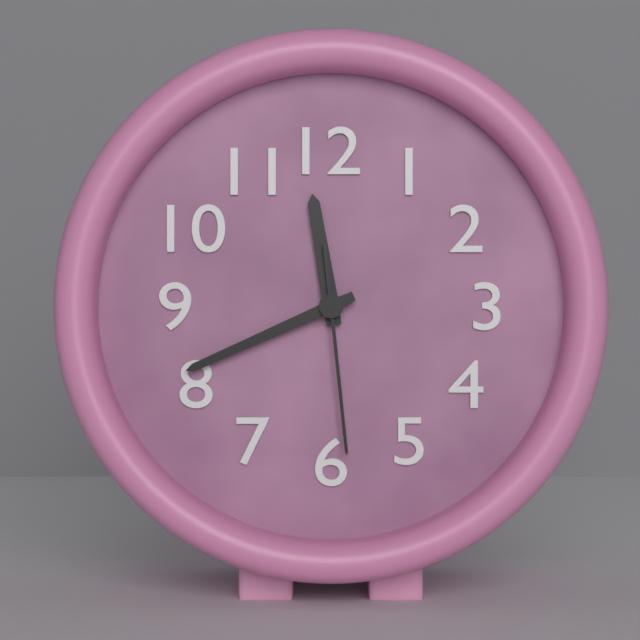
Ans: {"hour": 11, "minute": 41, "second": 29}
